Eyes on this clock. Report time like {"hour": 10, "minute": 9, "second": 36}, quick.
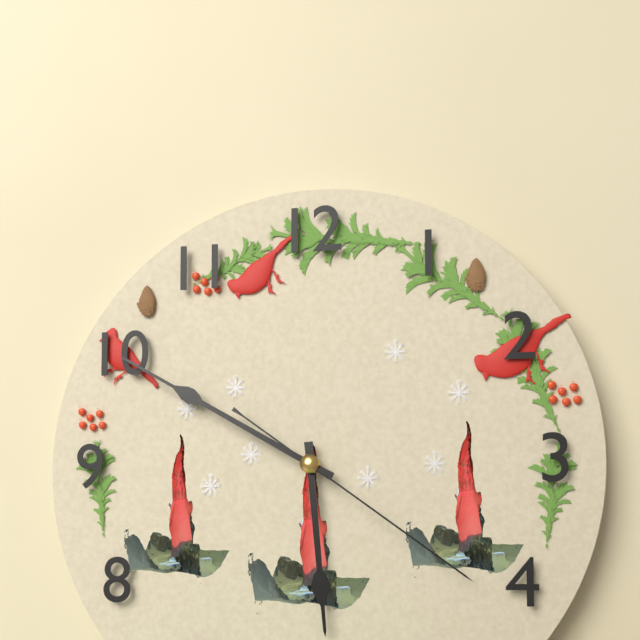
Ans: {"hour": 5, "minute": 50, "second": 21}
